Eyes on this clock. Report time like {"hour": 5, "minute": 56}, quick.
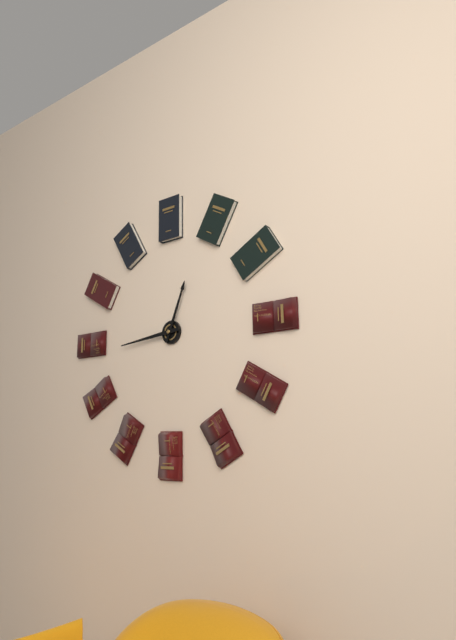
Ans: {"hour": 12, "minute": 44}
